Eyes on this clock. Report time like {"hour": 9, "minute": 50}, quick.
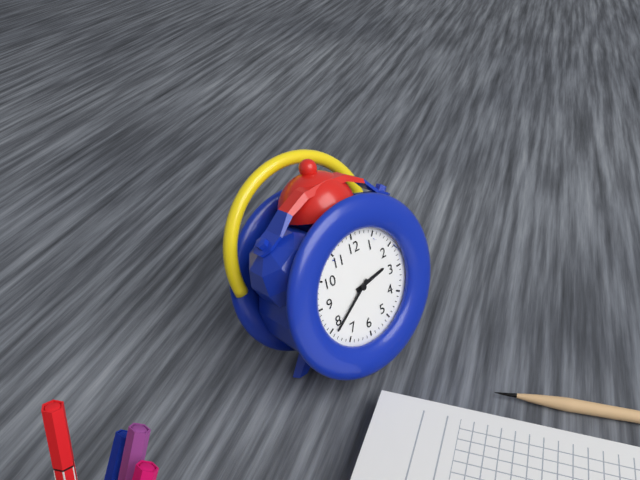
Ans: {"hour": 2, "minute": 39}
